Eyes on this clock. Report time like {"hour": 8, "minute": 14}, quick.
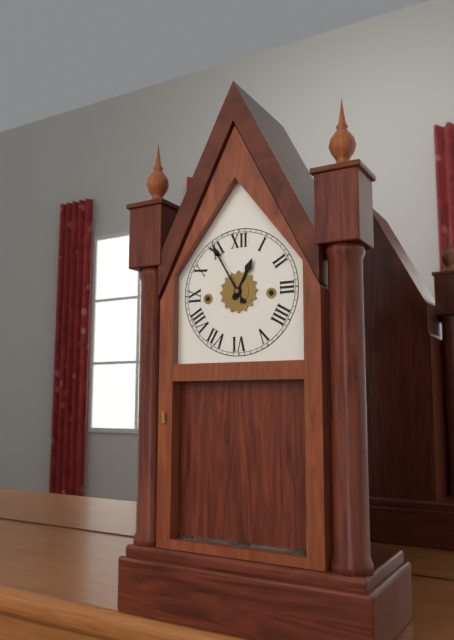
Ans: {"hour": 12, "minute": 55}
